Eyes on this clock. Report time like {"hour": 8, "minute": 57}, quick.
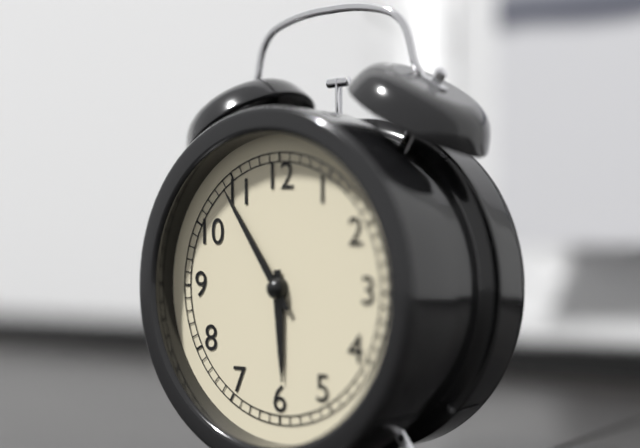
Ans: {"hour": 5, "minute": 54}
